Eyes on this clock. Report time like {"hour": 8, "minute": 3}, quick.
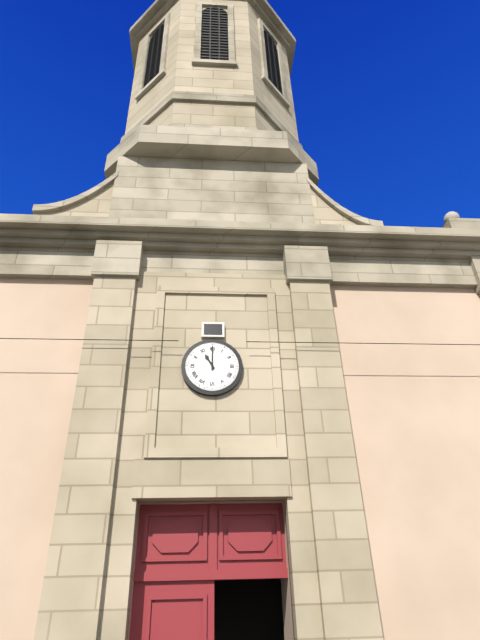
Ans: {"hour": 11, "minute": 0}
